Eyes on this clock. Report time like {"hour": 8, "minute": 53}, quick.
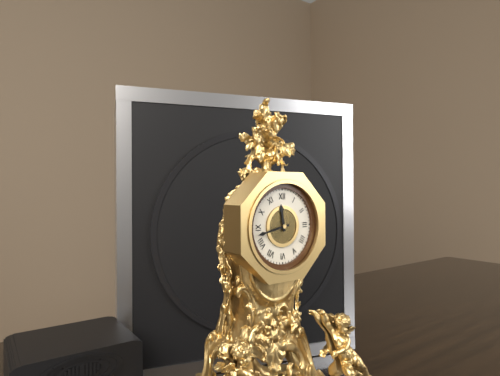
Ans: {"hour": 11, "minute": 43}
